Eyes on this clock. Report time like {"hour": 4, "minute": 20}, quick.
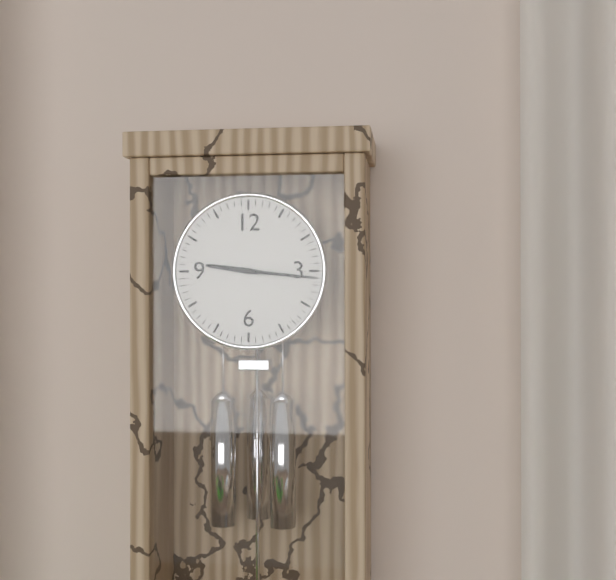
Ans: {"hour": 9, "minute": 16}
